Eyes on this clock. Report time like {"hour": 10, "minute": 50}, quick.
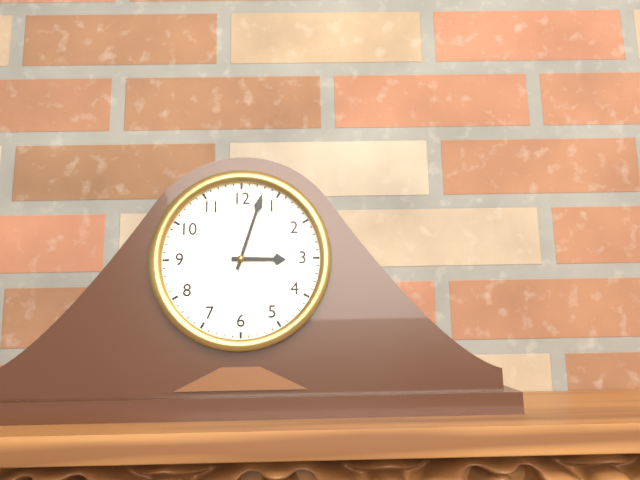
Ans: {"hour": 3, "minute": 3}
